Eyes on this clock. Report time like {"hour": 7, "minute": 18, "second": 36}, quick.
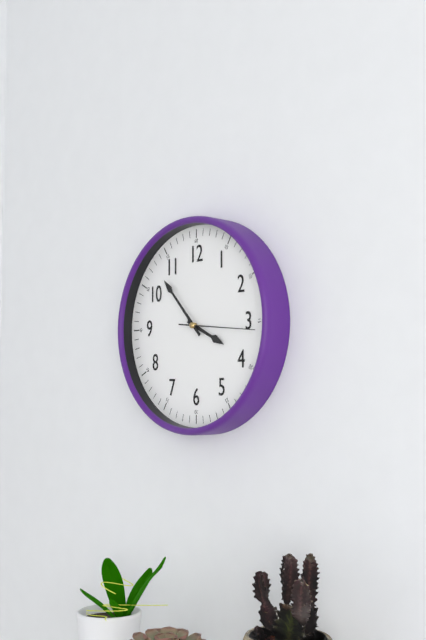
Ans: {"hour": 3, "minute": 53, "second": 16}
